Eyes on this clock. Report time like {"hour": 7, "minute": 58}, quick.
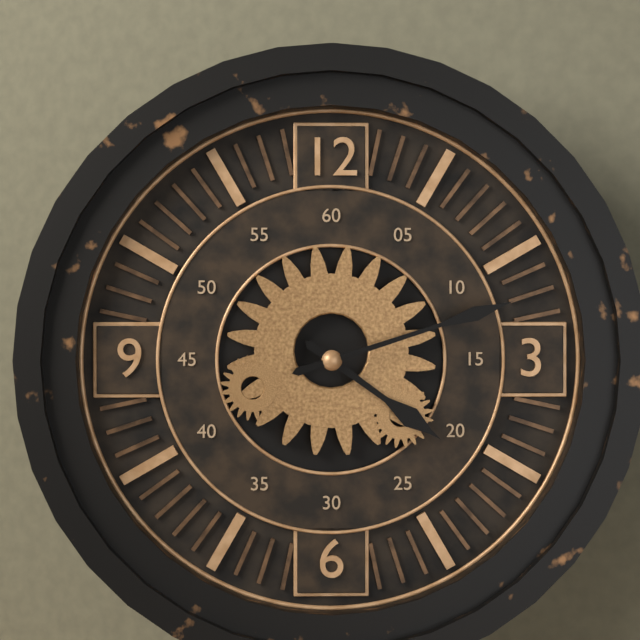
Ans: {"hour": 4, "minute": 12}
